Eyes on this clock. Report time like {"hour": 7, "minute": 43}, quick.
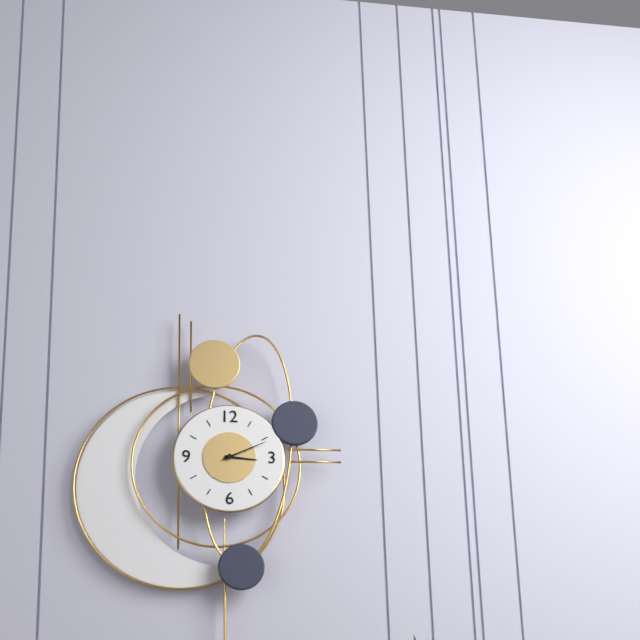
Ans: {"hour": 3, "minute": 11}
